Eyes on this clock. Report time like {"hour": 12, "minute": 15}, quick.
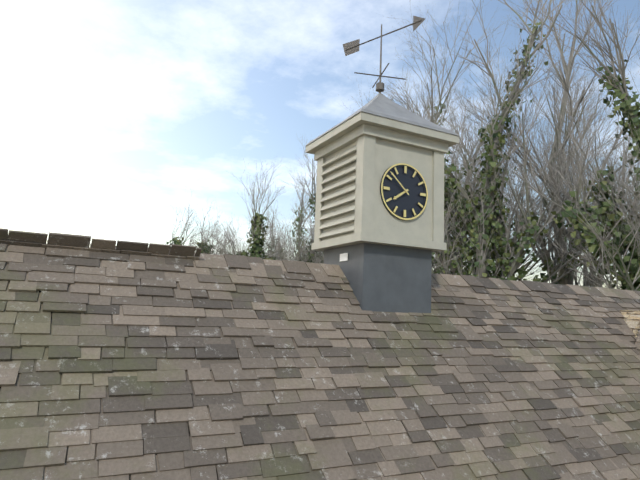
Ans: {"hour": 7, "minute": 52}
